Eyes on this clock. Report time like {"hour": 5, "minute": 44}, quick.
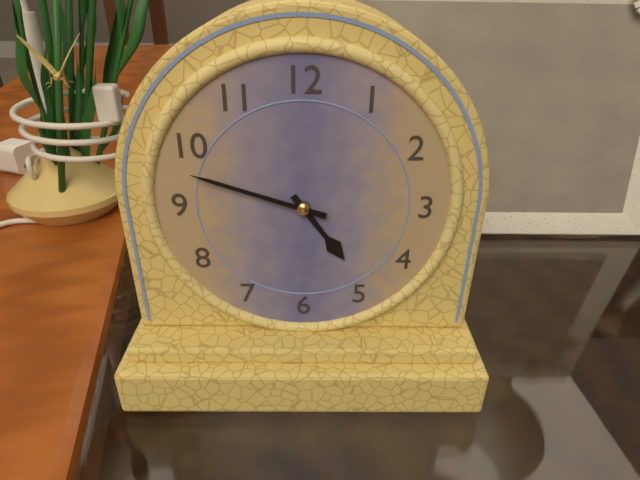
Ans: {"hour": 4, "minute": 48}
